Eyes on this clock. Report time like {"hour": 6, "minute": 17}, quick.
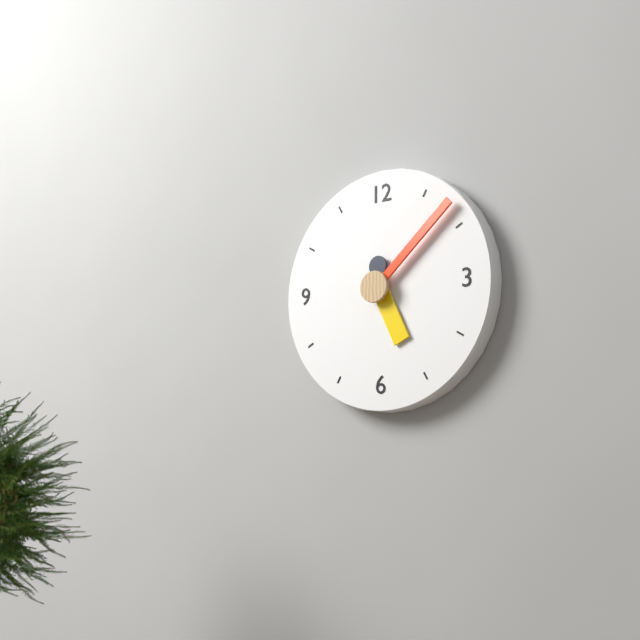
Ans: {"hour": 5, "minute": 8}
